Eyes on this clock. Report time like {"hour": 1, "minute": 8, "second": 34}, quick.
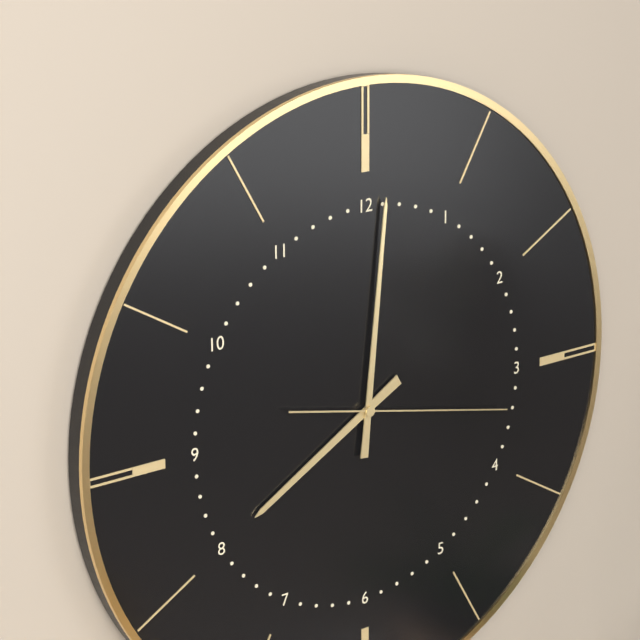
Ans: {"hour": 8, "minute": 1, "second": 17}
